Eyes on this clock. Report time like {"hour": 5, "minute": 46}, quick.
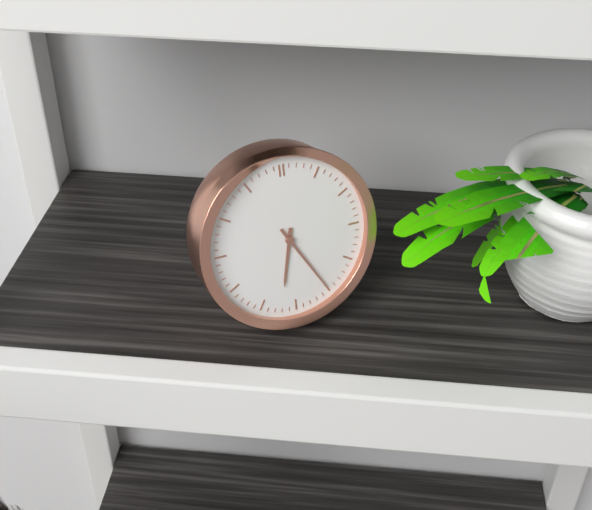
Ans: {"hour": 6, "minute": 25}
